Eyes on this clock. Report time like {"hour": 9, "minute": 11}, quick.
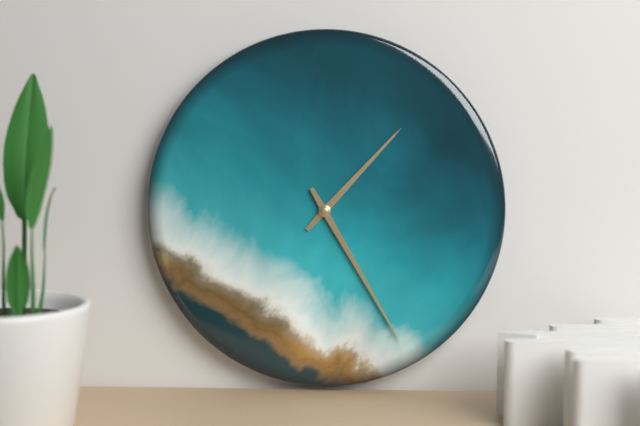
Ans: {"hour": 1, "minute": 25}
